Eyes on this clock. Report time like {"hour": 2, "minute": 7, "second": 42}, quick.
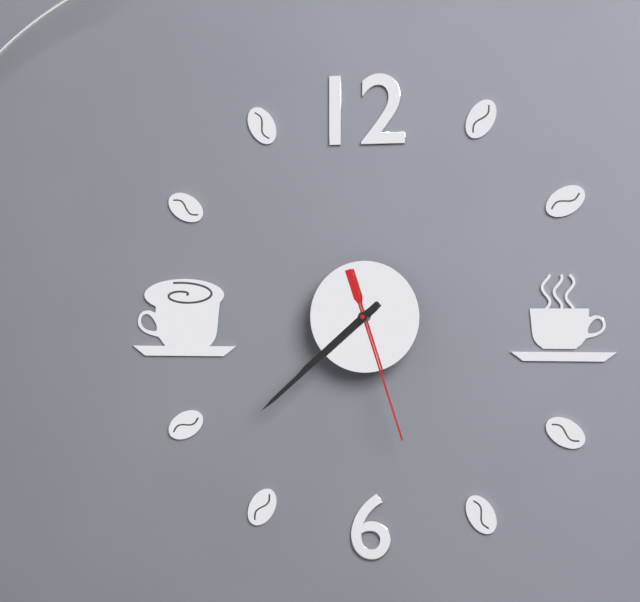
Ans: {"hour": 7, "minute": 38, "second": 27}
